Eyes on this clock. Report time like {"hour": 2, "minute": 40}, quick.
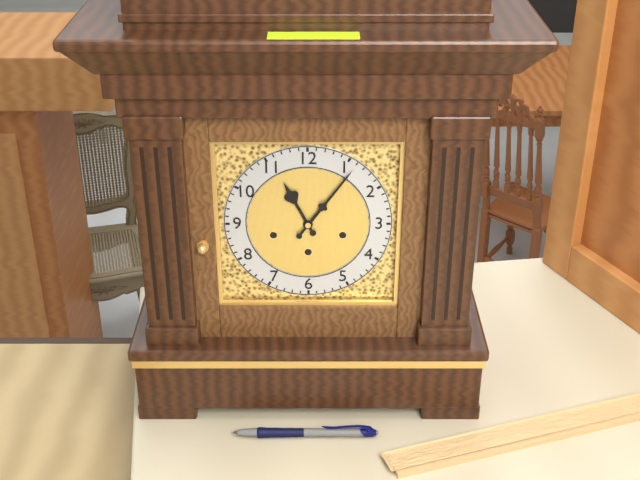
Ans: {"hour": 11, "minute": 6}
